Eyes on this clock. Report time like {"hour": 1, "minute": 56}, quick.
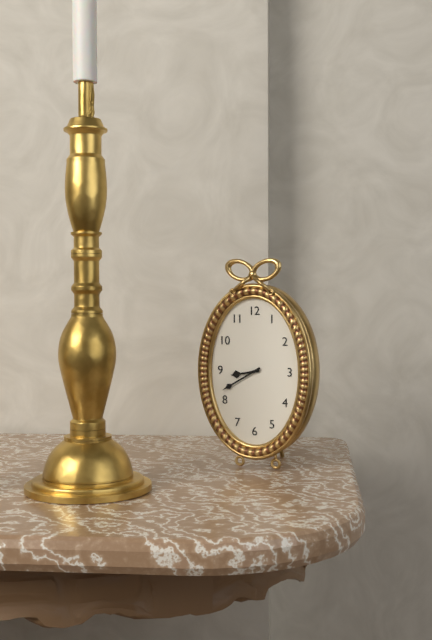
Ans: {"hour": 8, "minute": 40}
